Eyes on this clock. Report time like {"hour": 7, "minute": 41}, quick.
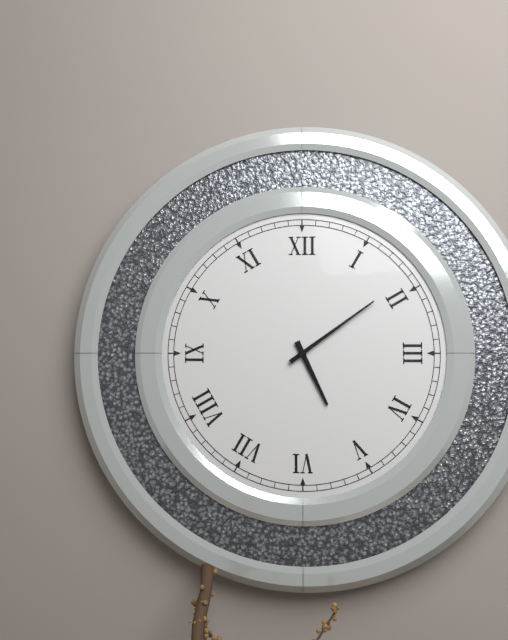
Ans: {"hour": 5, "minute": 9}
